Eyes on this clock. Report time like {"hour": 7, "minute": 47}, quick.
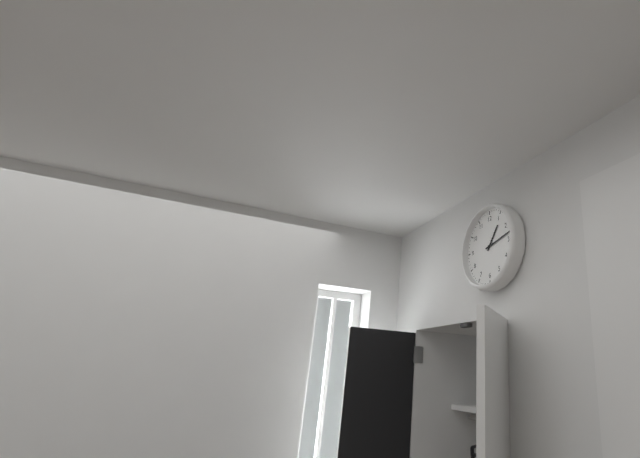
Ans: {"hour": 1, "minute": 13}
